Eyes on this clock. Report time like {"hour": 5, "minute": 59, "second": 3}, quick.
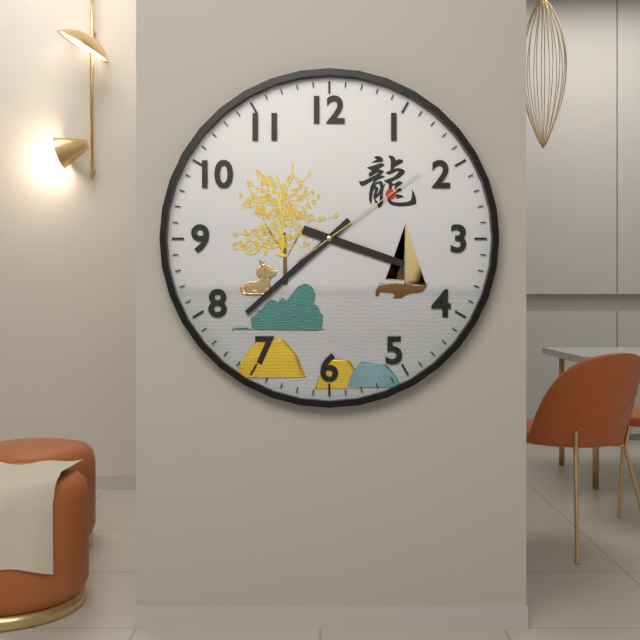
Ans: {"hour": 3, "minute": 38, "second": 9}
